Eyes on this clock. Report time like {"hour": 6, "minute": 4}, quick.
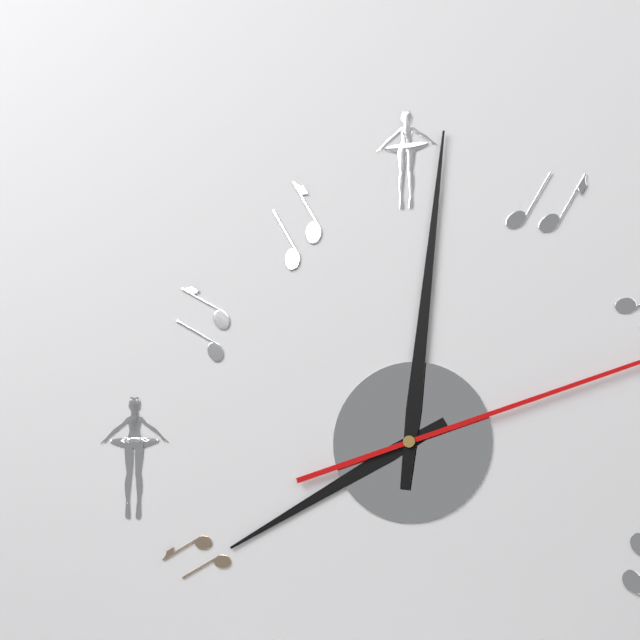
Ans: {"hour": 8, "minute": 1}
